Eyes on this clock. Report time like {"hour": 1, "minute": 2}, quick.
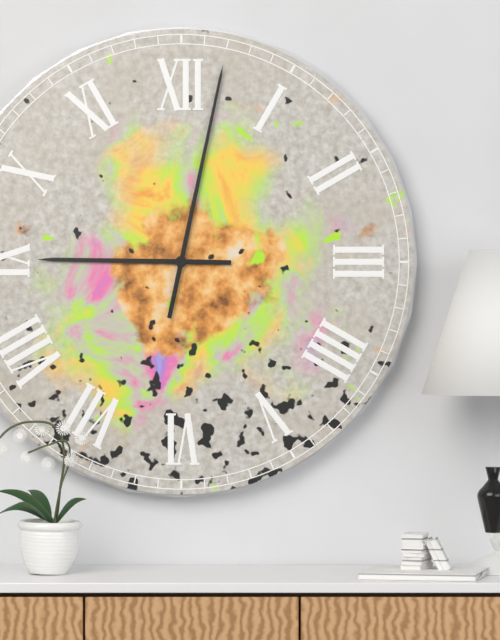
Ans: {"hour": 9, "minute": 2}
